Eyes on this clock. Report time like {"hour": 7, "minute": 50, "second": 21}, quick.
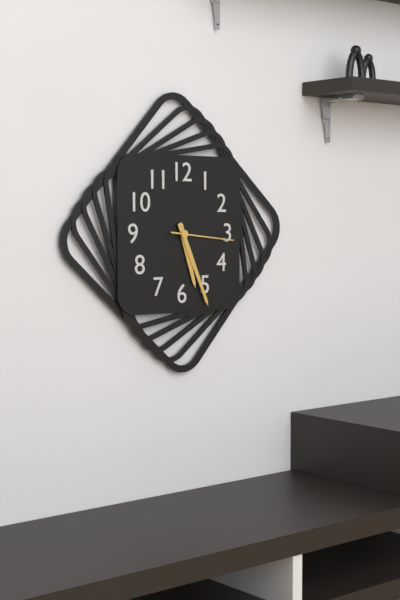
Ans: {"hour": 5, "minute": 26, "second": 16}
